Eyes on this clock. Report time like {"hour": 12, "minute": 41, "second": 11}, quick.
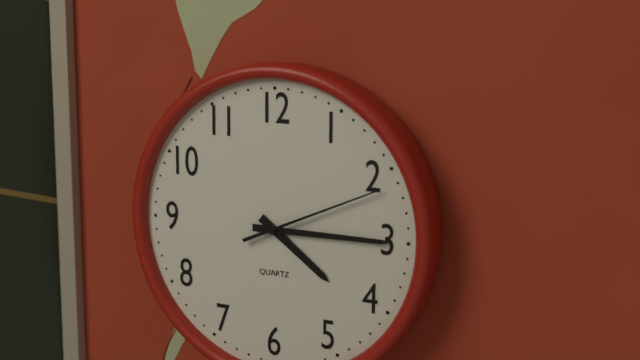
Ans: {"hour": 4, "minute": 15, "second": 11}
